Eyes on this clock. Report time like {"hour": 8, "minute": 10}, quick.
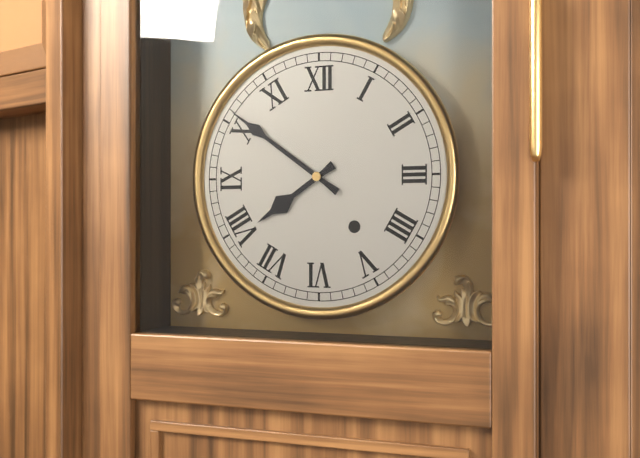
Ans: {"hour": 7, "minute": 51}
